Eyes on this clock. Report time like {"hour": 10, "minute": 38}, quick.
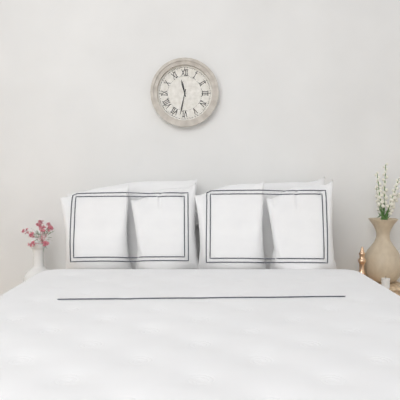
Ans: {"hour": 11, "minute": 32}
